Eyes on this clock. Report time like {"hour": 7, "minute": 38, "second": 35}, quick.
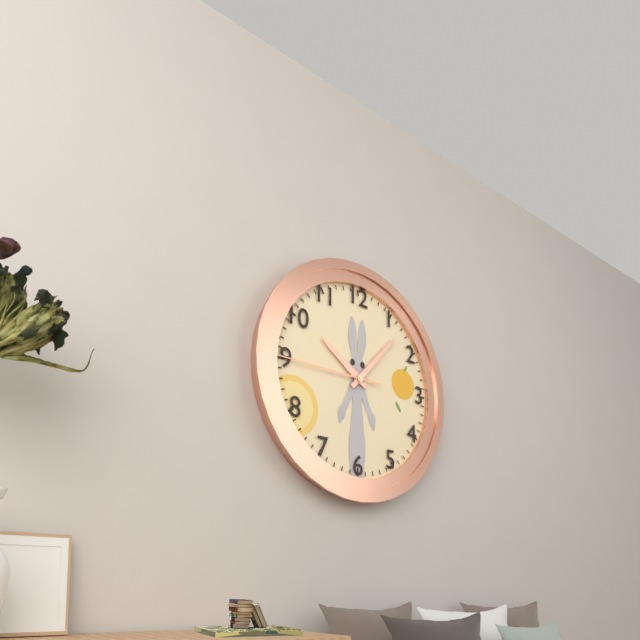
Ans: {"hour": 10, "minute": 7, "second": 45}
